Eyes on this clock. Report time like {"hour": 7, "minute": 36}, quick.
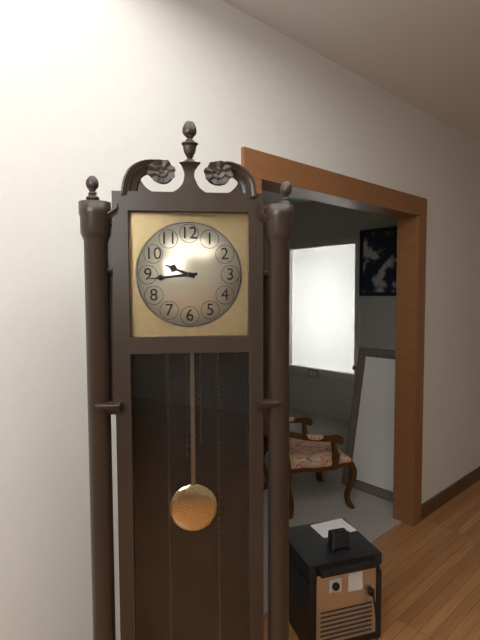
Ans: {"hour": 9, "minute": 44}
